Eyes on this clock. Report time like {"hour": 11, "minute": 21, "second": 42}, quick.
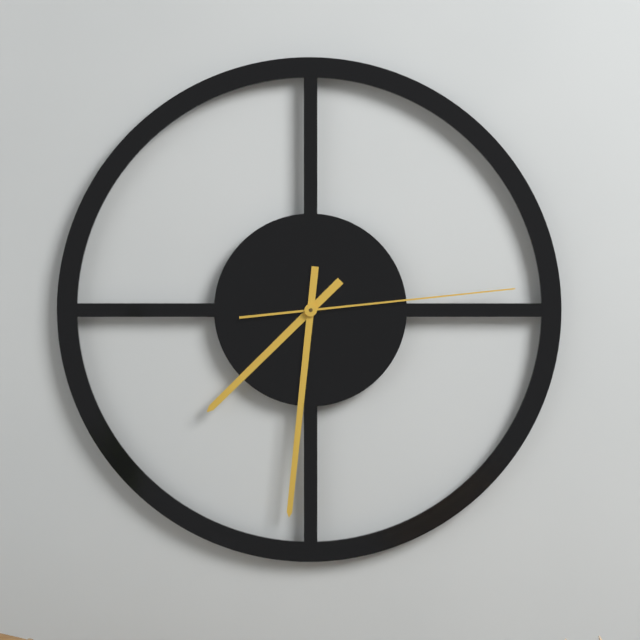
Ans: {"hour": 7, "minute": 31, "second": 14}
